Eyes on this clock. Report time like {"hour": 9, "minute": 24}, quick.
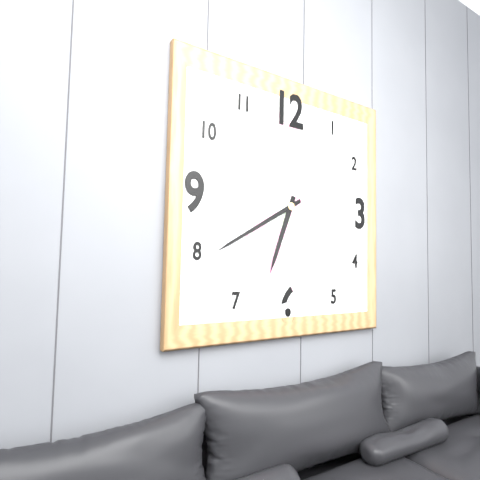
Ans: {"hour": 6, "minute": 40}
